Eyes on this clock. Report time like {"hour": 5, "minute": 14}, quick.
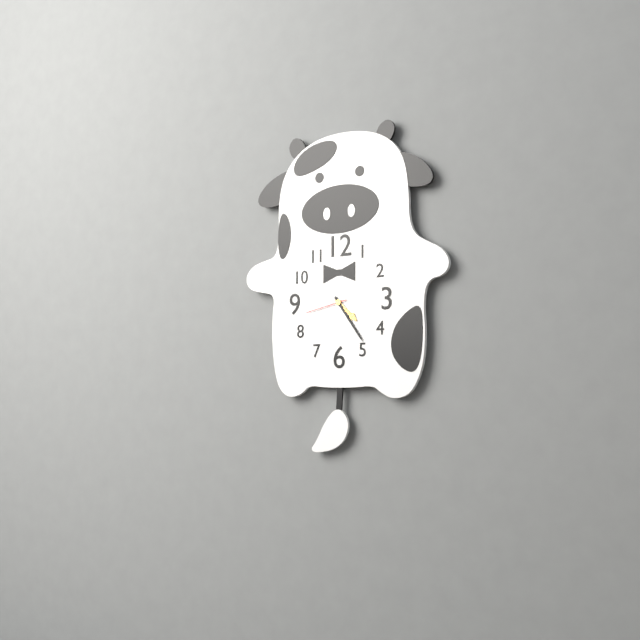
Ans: {"hour": 4, "minute": 24}
